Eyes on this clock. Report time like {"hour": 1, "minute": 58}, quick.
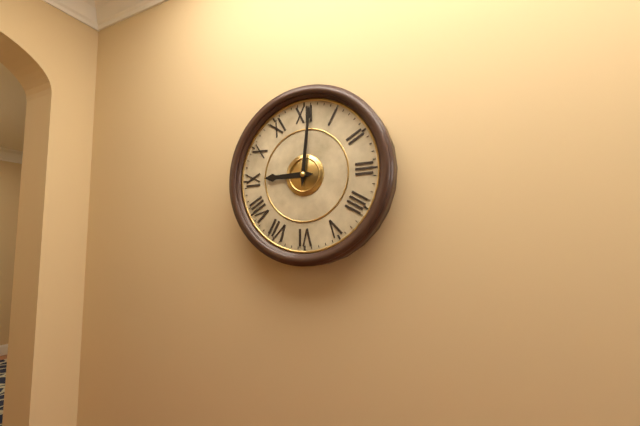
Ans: {"hour": 9, "minute": 1}
